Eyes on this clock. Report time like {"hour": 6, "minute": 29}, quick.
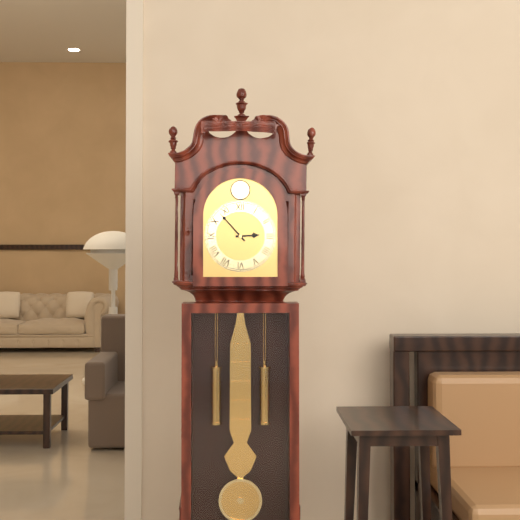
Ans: {"hour": 2, "minute": 53}
